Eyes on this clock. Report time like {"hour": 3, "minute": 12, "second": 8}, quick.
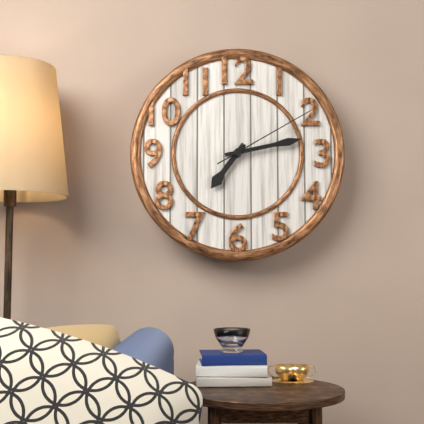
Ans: {"hour": 7, "minute": 13, "second": 10}
